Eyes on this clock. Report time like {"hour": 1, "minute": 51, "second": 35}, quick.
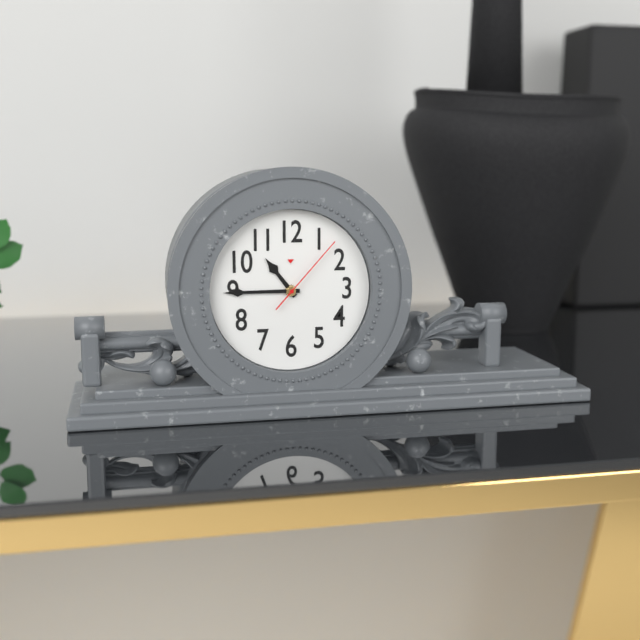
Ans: {"hour": 10, "minute": 45, "second": 7}
